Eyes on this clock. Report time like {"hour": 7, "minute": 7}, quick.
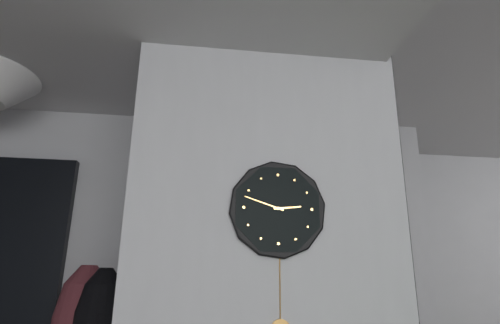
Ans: {"hour": 2, "minute": 48}
